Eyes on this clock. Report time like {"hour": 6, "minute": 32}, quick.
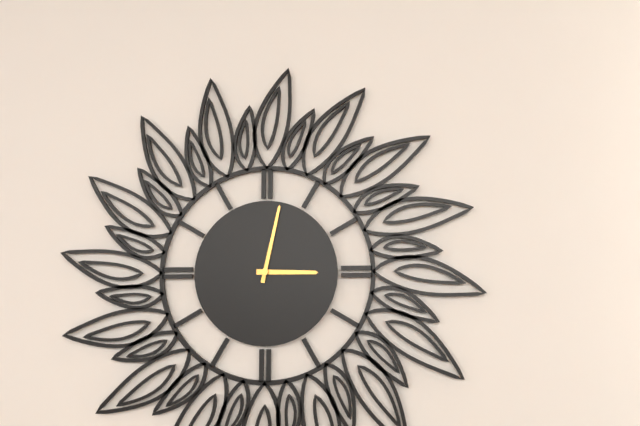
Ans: {"hour": 3, "minute": 2}
